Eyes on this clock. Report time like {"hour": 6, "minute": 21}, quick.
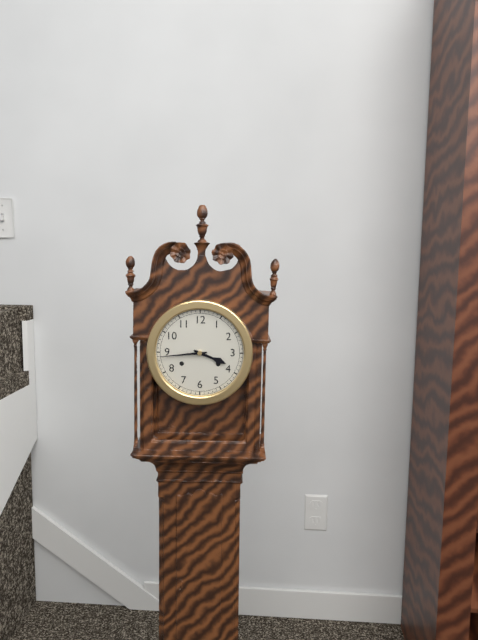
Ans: {"hour": 3, "minute": 44}
